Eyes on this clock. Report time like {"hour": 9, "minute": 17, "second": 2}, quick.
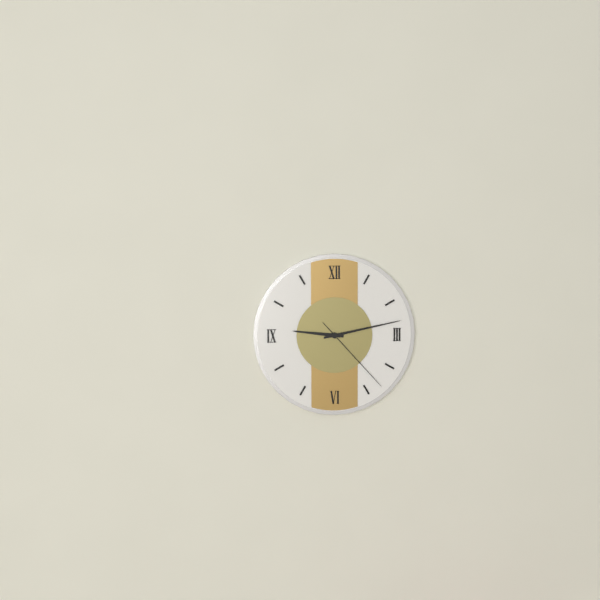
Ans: {"hour": 9, "minute": 13, "second": 23}
